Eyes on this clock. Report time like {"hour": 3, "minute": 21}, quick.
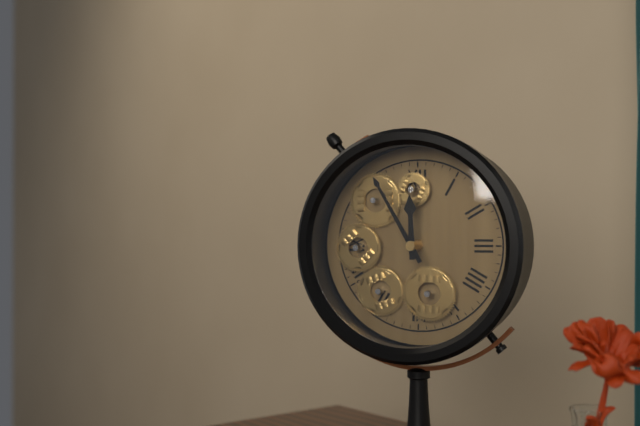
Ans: {"hour": 11, "minute": 55}
